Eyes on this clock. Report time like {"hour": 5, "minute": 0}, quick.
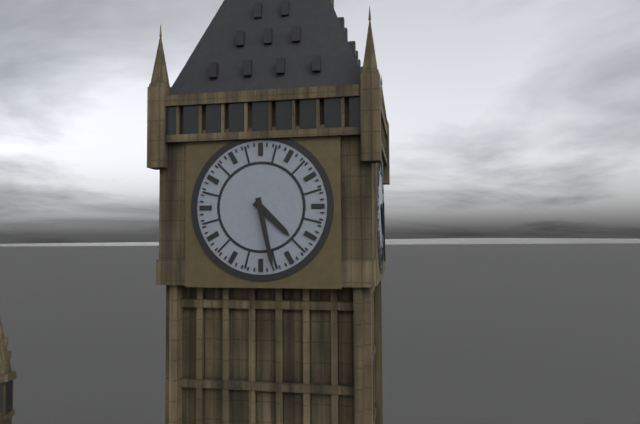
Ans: {"hour": 4, "minute": 28}
